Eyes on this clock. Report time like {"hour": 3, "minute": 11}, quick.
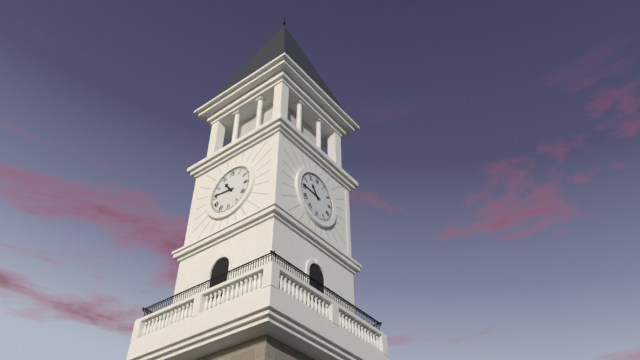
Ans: {"hour": 10, "minute": 46}
